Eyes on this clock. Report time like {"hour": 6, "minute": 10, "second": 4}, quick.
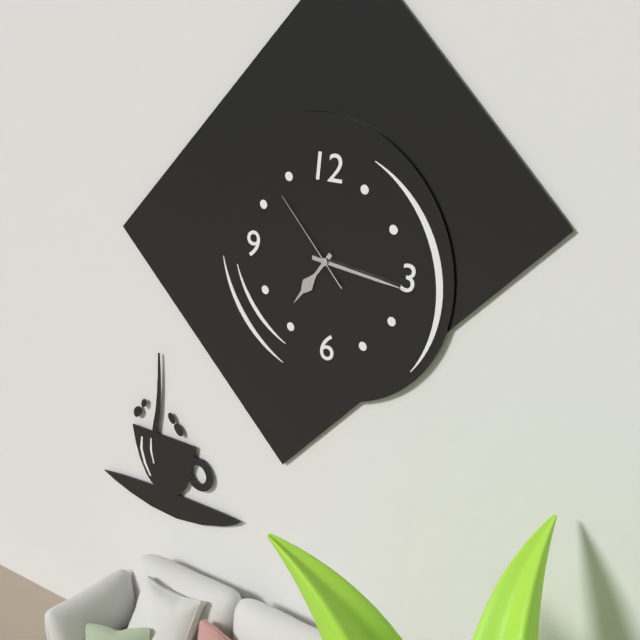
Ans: {"hour": 7, "minute": 16, "second": 53}
